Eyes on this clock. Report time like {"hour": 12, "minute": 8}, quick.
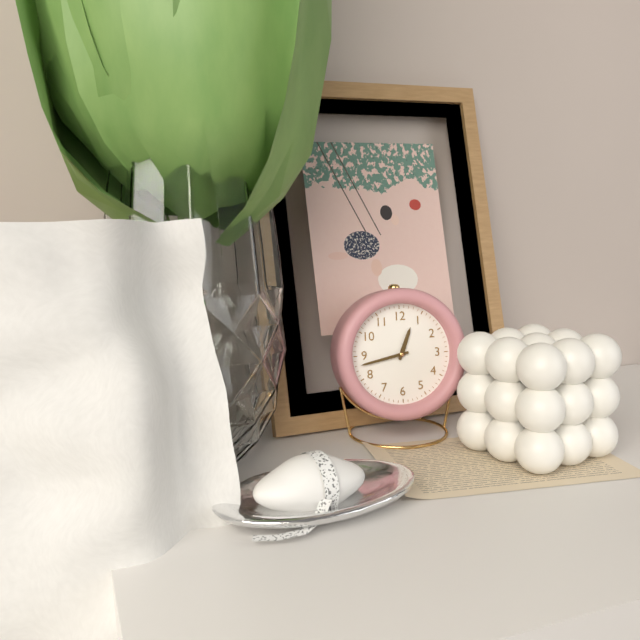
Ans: {"hour": 12, "minute": 43}
